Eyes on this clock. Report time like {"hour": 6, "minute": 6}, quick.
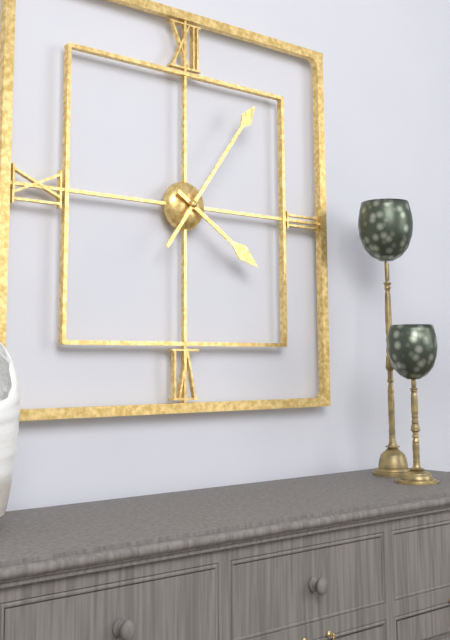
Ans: {"hour": 4, "minute": 6}
